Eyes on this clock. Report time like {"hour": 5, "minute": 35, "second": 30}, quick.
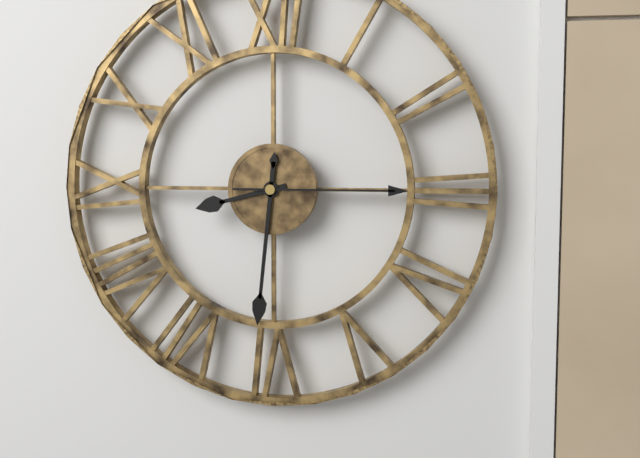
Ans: {"hour": 8, "minute": 31, "second": 15}
